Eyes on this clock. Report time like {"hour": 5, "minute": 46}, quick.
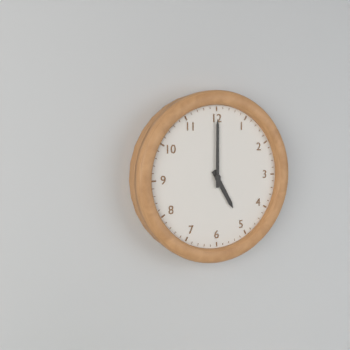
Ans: {"hour": 5, "minute": 0}
